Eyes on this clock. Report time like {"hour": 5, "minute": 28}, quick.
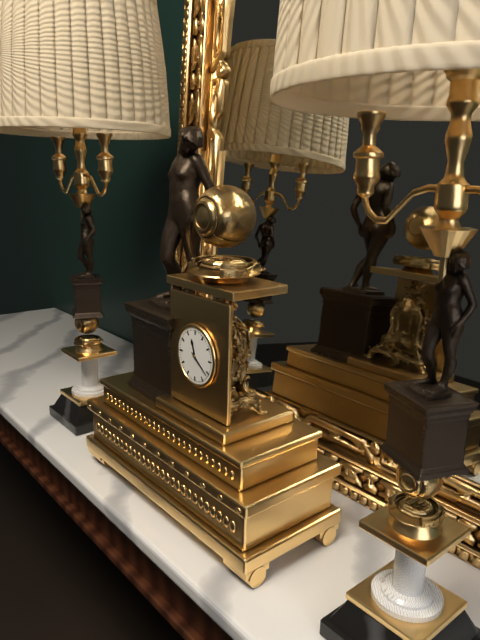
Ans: {"hour": 11, "minute": 21}
